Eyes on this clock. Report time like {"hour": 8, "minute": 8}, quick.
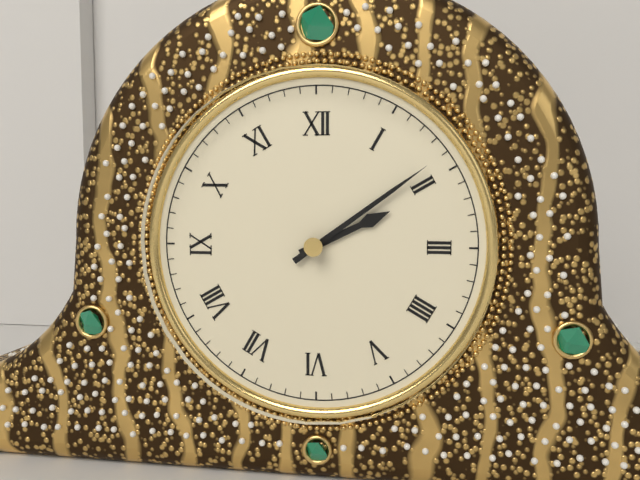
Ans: {"hour": 2, "minute": 9}
